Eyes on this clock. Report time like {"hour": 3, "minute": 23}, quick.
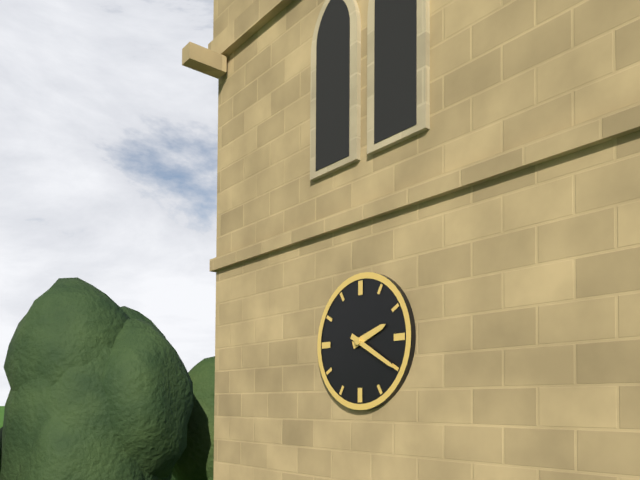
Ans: {"hour": 2, "minute": 20}
